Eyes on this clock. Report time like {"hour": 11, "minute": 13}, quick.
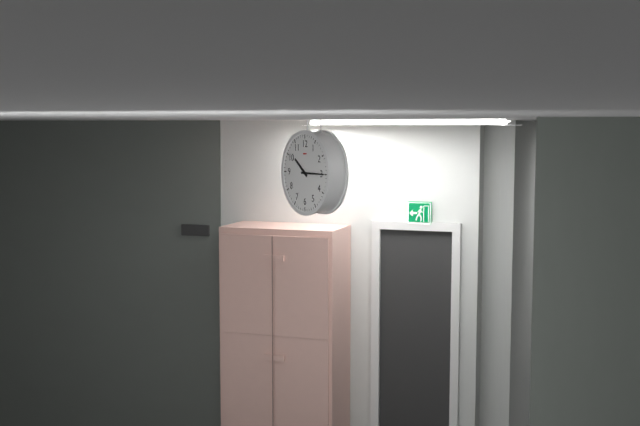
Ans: {"hour": 10, "minute": 15}
